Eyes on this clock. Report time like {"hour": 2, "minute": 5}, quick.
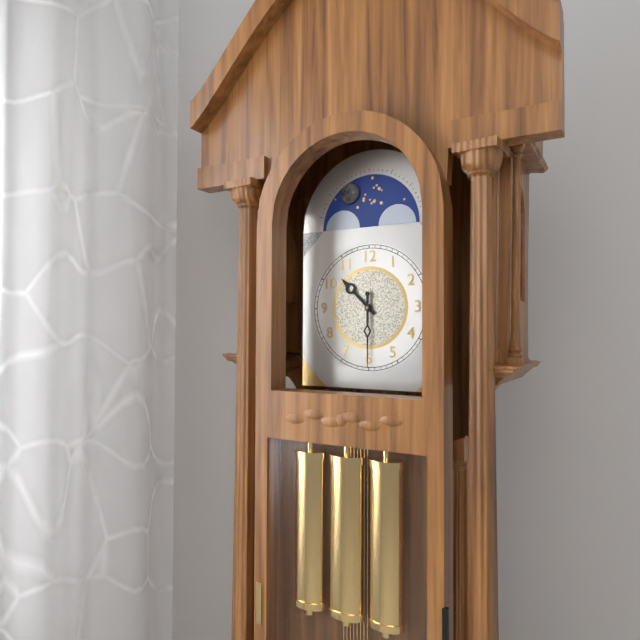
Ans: {"hour": 10, "minute": 30}
